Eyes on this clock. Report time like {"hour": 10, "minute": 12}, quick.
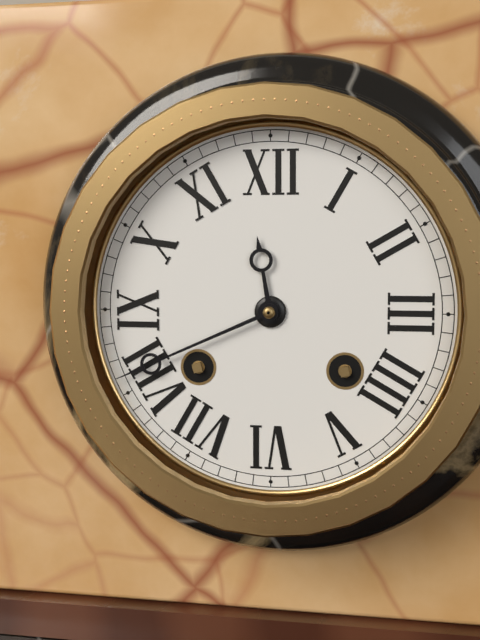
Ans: {"hour": 11, "minute": 41}
